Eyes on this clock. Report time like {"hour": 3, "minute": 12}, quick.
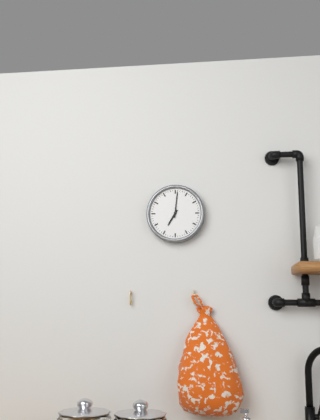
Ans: {"hour": 7, "minute": 1}
